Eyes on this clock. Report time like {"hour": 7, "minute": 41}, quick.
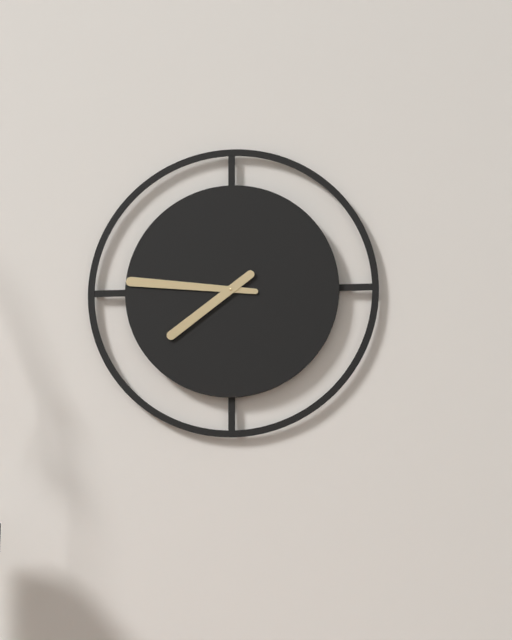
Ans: {"hour": 7, "minute": 46}
